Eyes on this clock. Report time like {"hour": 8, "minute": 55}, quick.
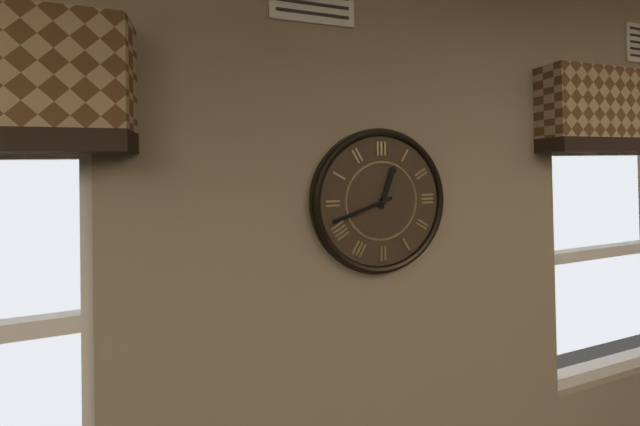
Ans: {"hour": 12, "minute": 42}
